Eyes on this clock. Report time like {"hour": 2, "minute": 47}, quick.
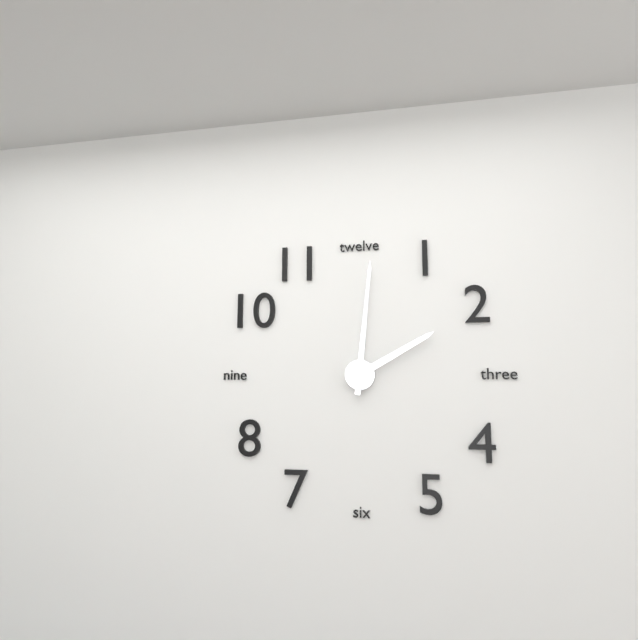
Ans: {"hour": 2, "minute": 1}
